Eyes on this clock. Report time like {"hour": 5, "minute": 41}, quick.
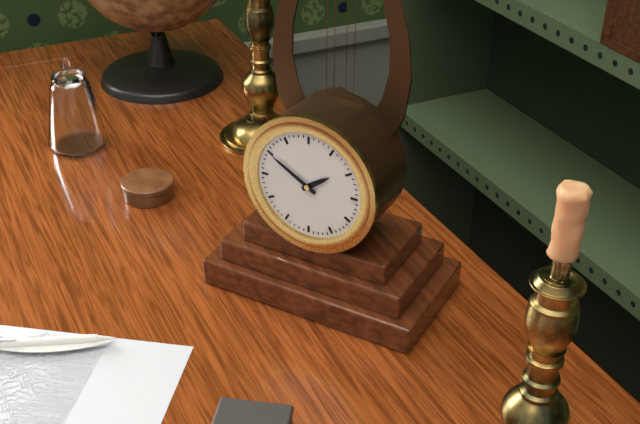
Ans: {"hour": 1, "minute": 50}
